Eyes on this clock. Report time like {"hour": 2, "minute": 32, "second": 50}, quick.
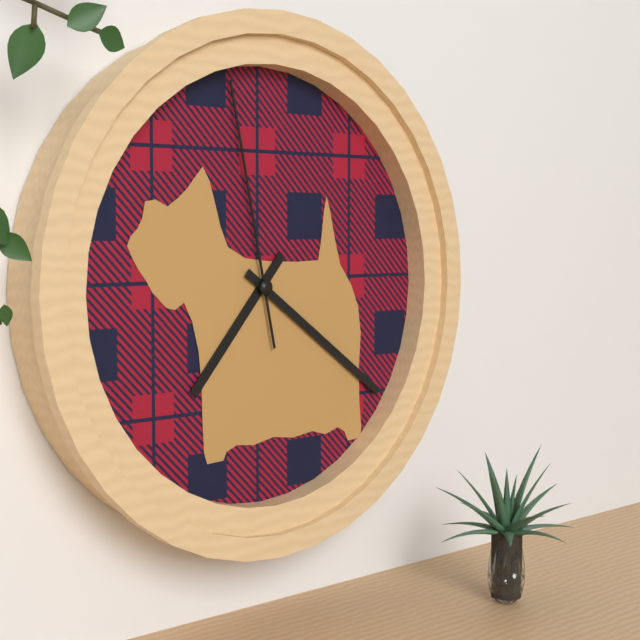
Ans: {"hour": 7, "minute": 21, "second": 58}
